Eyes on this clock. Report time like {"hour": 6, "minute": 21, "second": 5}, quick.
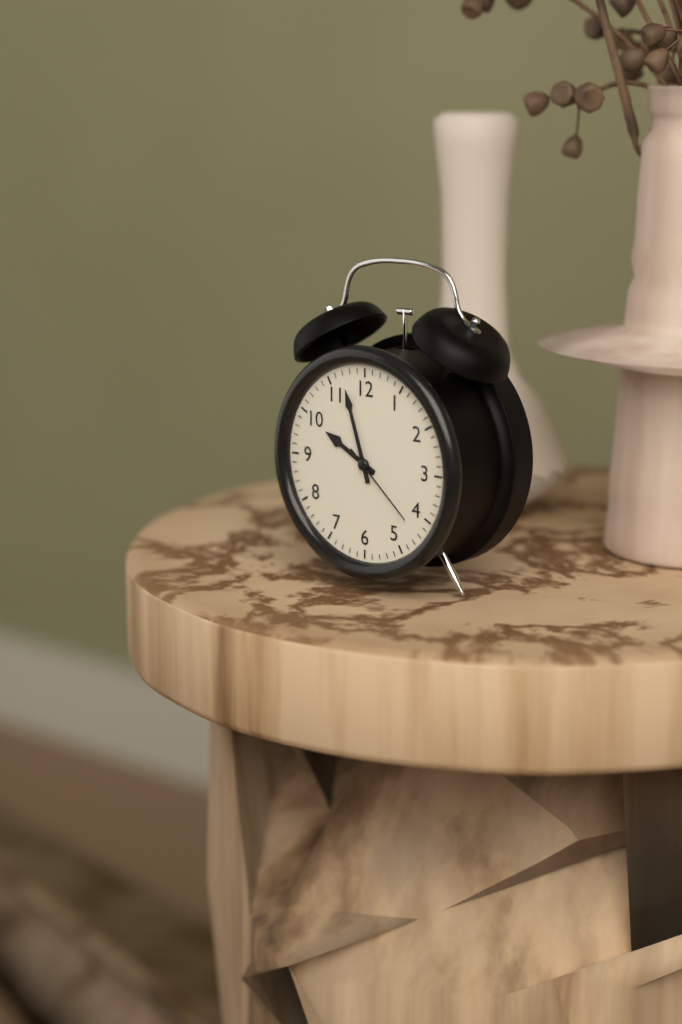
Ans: {"hour": 9, "minute": 57, "second": 22}
